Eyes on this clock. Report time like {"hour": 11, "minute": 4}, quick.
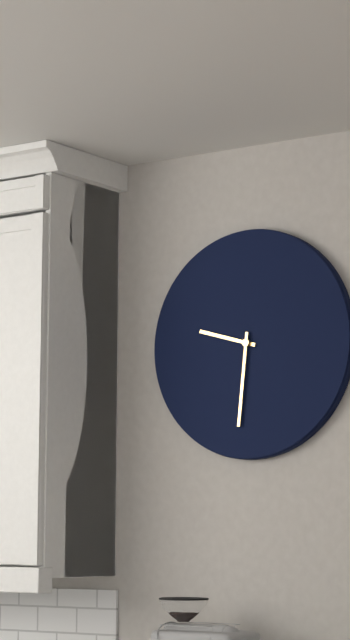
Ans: {"hour": 9, "minute": 31}
